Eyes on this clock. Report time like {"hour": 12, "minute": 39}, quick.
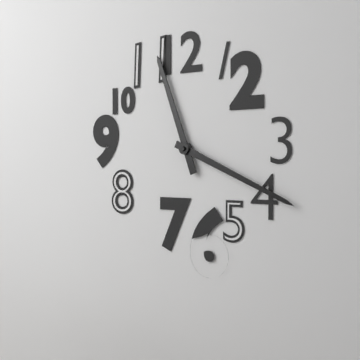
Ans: {"hour": 11, "minute": 19}
